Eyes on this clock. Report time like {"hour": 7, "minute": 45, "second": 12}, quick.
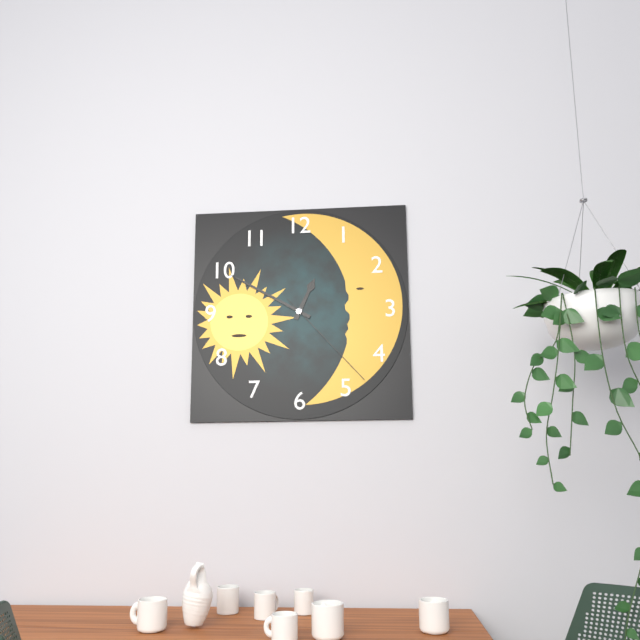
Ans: {"hour": 12, "minute": 50, "second": 23}
